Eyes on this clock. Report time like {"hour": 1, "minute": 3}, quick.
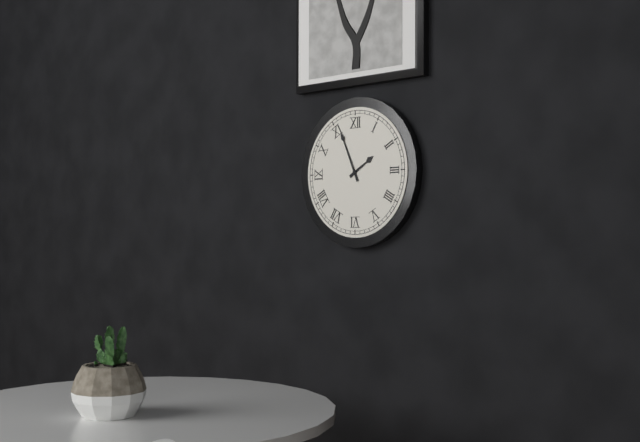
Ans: {"hour": 1, "minute": 56}
